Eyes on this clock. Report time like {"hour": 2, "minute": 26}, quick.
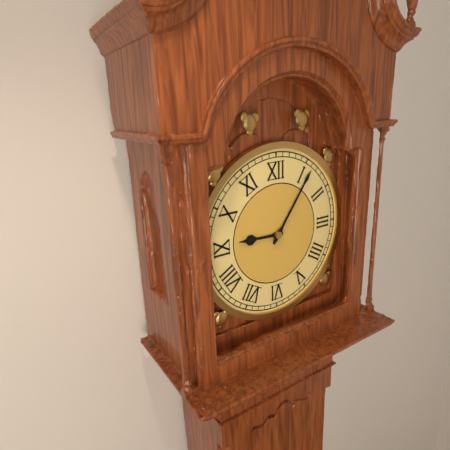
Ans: {"hour": 9, "minute": 6}
